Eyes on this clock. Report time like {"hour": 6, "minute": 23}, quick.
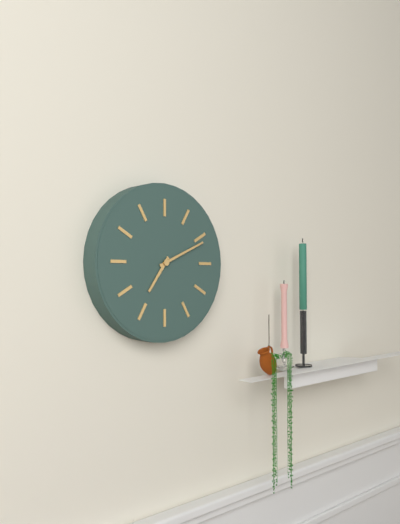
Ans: {"hour": 7, "minute": 11}
